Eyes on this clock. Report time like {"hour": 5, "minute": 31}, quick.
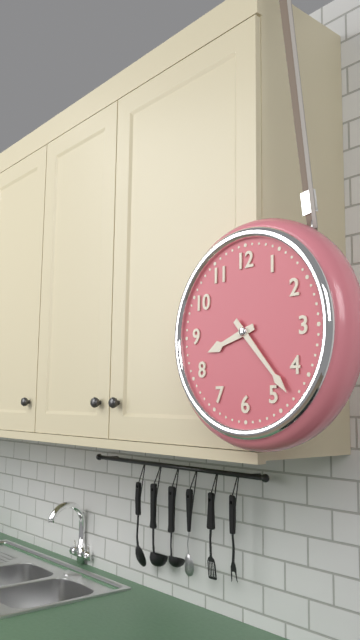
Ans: {"hour": 8, "minute": 23}
